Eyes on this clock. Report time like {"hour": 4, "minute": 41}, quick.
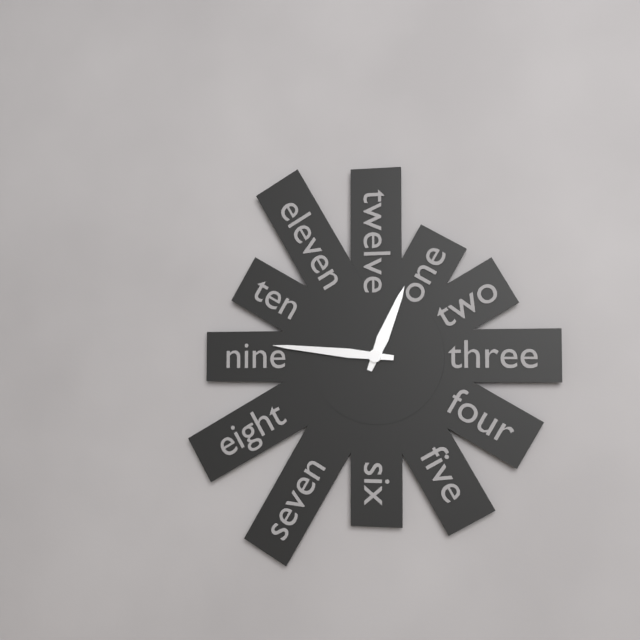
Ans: {"hour": 12, "minute": 46}
